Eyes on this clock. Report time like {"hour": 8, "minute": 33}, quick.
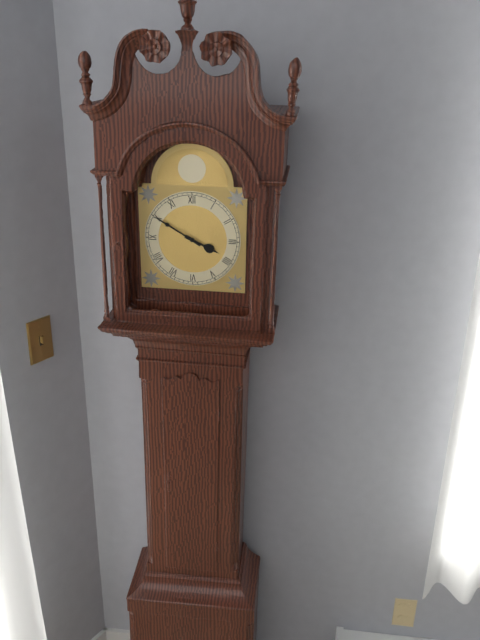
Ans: {"hour": 3, "minute": 50}
